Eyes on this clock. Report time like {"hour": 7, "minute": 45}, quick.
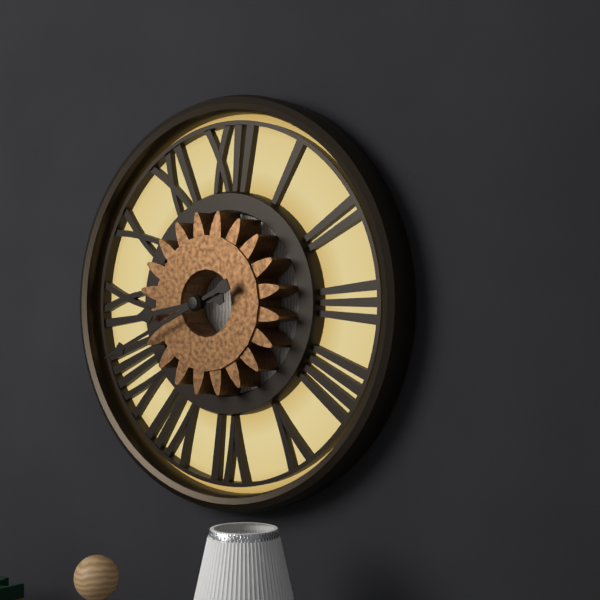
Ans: {"hour": 8, "minute": 41}
